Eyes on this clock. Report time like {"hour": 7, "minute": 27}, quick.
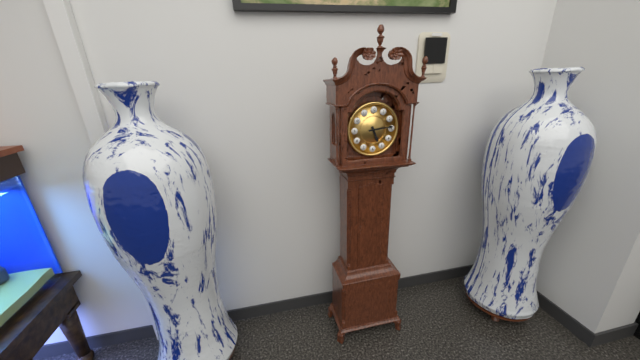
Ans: {"hour": 5, "minute": 14}
